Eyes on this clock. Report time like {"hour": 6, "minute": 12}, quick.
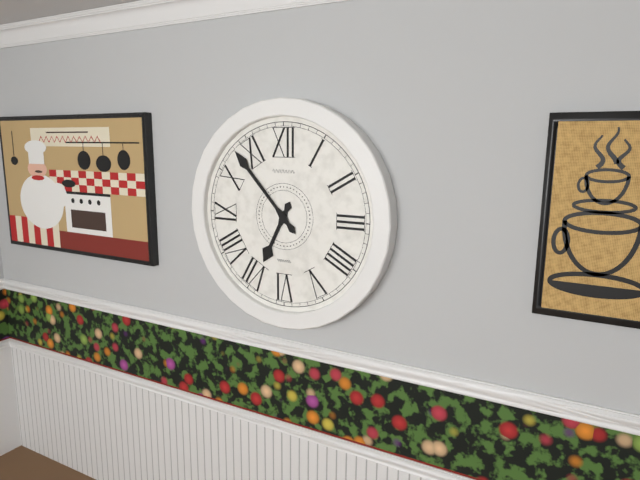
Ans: {"hour": 6, "minute": 53}
